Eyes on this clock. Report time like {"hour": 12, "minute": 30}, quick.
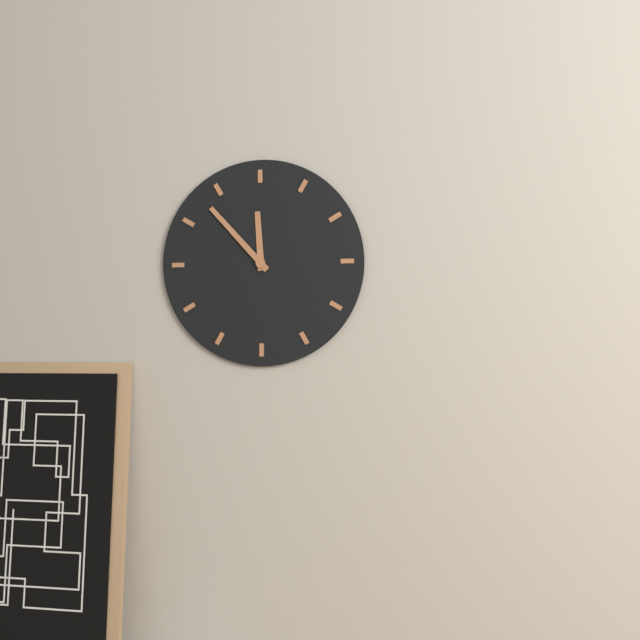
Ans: {"hour": 11, "minute": 53}
